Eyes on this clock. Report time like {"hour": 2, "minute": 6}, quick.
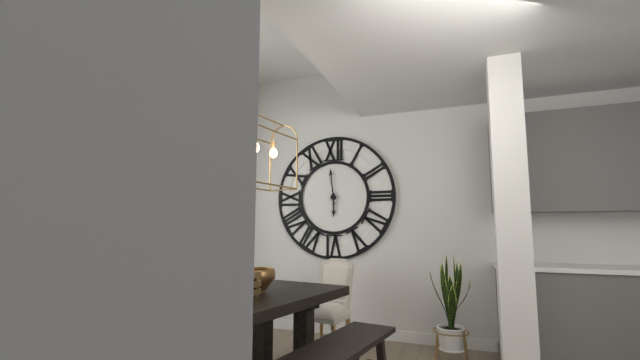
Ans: {"hour": 5, "minute": 59}
